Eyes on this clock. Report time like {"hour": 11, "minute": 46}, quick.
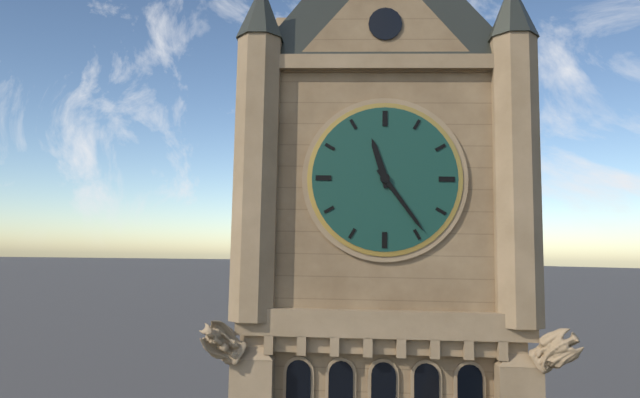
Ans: {"hour": 11, "minute": 24}
